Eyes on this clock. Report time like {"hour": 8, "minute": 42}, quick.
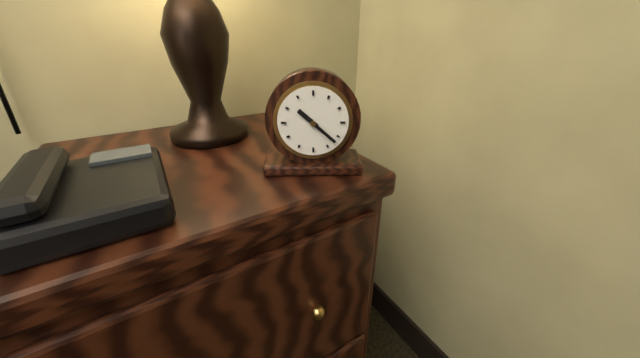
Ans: {"hour": 10, "minute": 22}
